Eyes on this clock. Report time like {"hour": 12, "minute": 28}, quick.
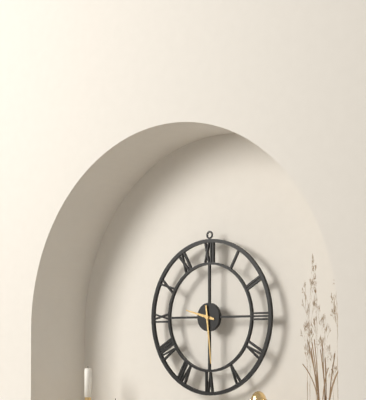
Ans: {"hour": 9, "minute": 29}
